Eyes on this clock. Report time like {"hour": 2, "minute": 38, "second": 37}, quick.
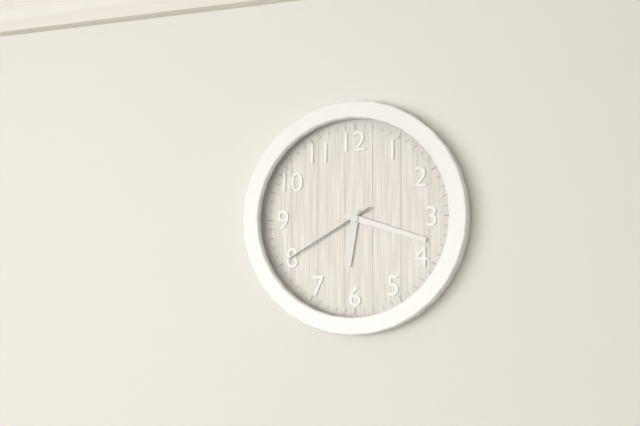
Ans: {"hour": 6, "minute": 18, "second": 40}
